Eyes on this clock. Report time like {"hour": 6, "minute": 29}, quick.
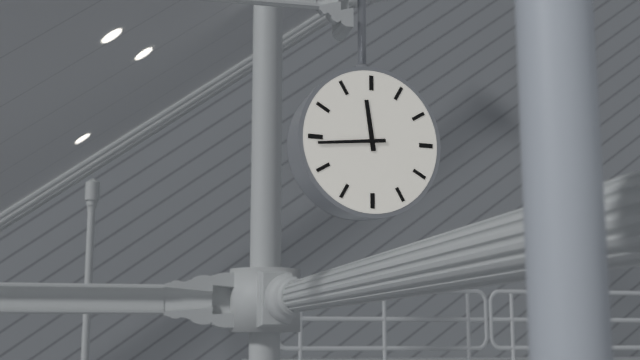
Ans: {"hour": 11, "minute": 44}
